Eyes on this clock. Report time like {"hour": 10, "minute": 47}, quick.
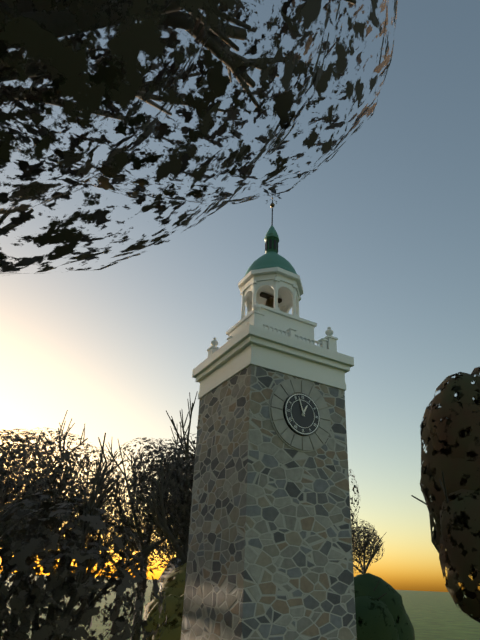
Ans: {"hour": 12, "minute": 57}
